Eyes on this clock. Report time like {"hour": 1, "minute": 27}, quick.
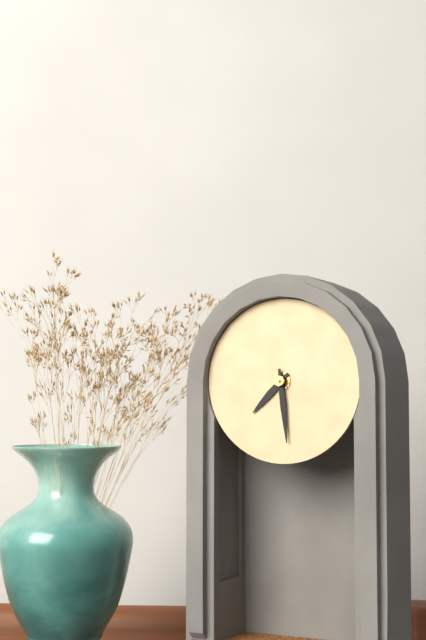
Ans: {"hour": 7, "minute": 29}
